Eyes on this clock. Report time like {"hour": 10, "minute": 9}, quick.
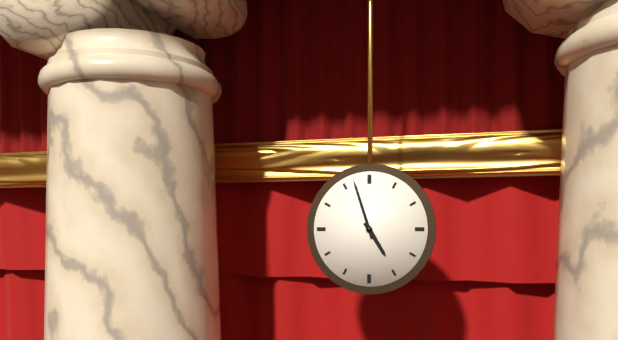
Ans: {"hour": 4, "minute": 57}
